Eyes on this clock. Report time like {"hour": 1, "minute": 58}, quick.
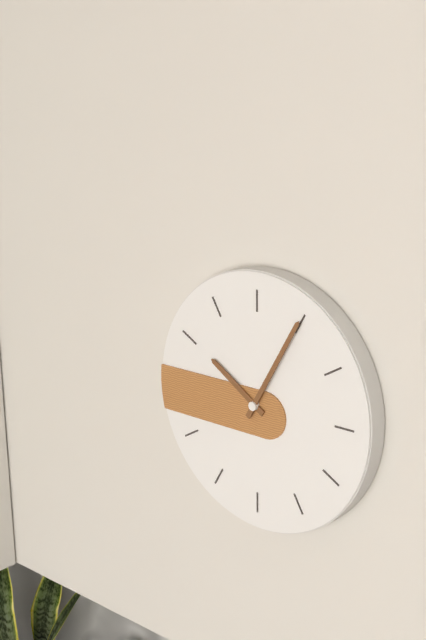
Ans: {"hour": 10, "minute": 5}
